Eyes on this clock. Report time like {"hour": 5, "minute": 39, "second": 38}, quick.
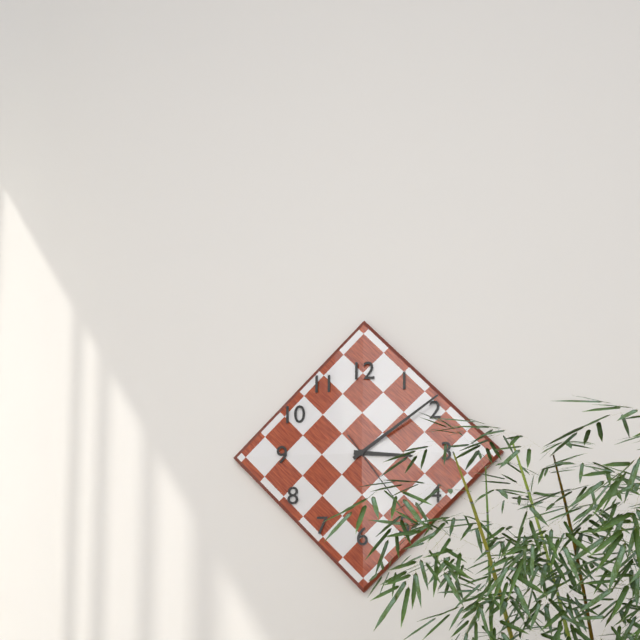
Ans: {"hour": 3, "minute": 9, "second": 24}
